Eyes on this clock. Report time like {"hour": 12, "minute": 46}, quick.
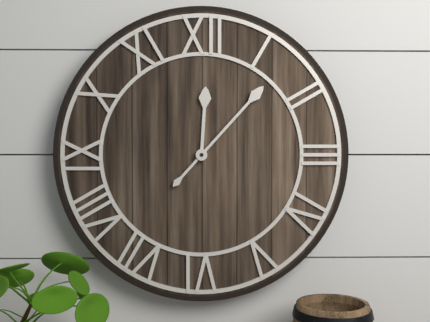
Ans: {"hour": 12, "minute": 7}
